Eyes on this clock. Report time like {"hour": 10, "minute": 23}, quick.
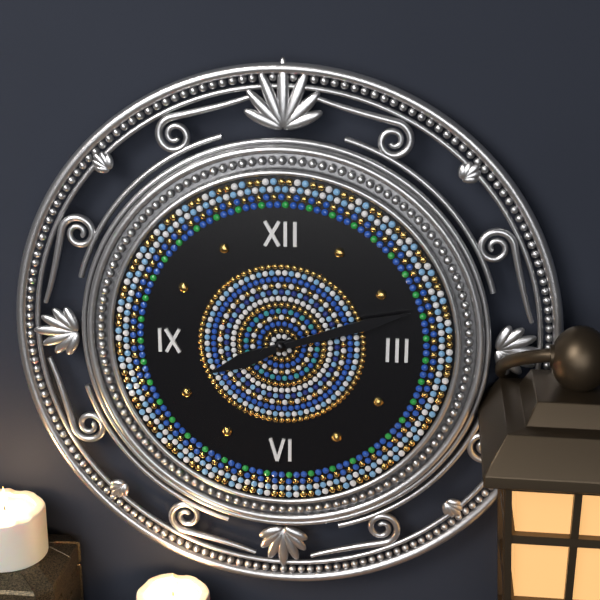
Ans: {"hour": 8, "minute": 12}
